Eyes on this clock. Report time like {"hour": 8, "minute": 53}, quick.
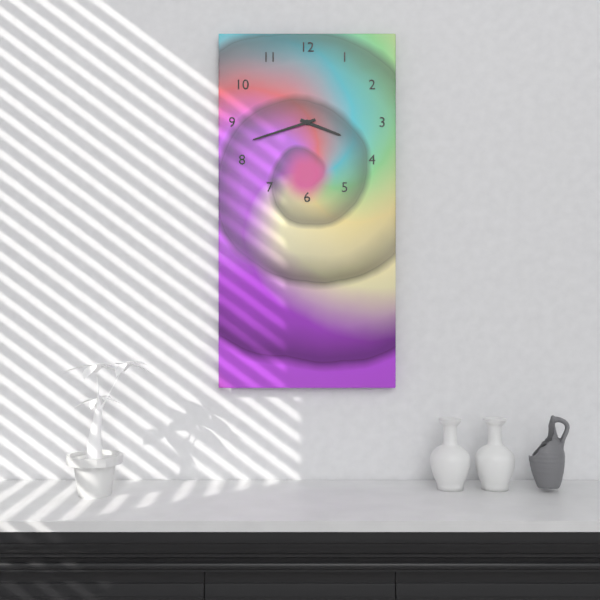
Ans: {"hour": 3, "minute": 42}
